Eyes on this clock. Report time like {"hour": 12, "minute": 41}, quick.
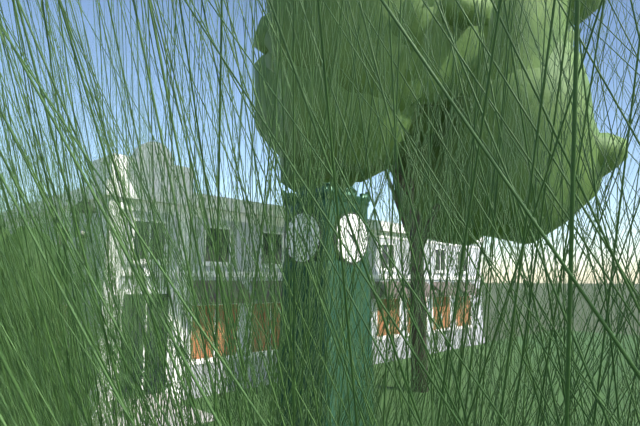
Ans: {"hour": 10, "minute": 24}
